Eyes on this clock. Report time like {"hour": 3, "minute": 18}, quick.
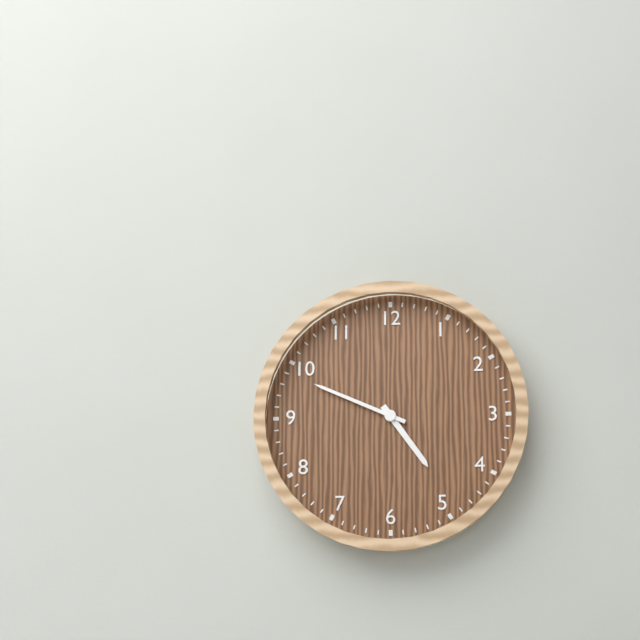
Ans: {"hour": 4, "minute": 49}
